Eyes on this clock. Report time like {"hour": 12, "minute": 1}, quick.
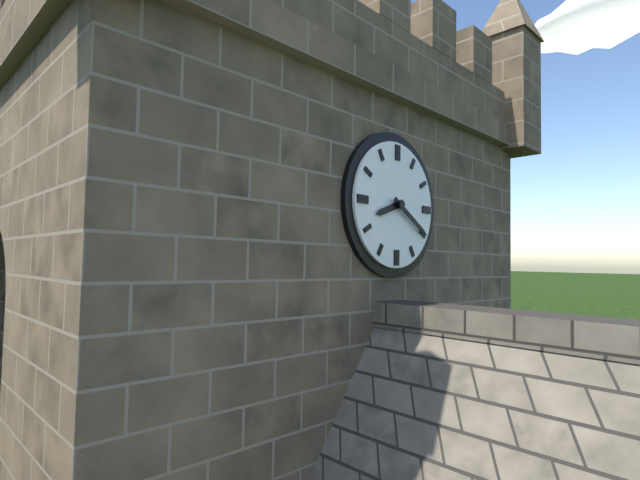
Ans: {"hour": 8, "minute": 20}
